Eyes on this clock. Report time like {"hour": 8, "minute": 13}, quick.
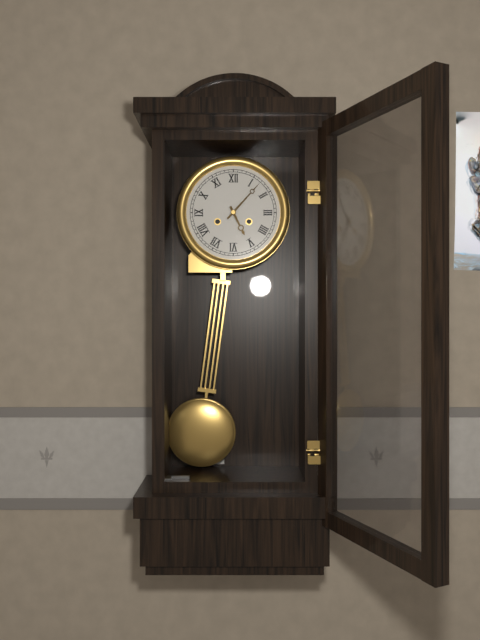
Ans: {"hour": 5, "minute": 7}
